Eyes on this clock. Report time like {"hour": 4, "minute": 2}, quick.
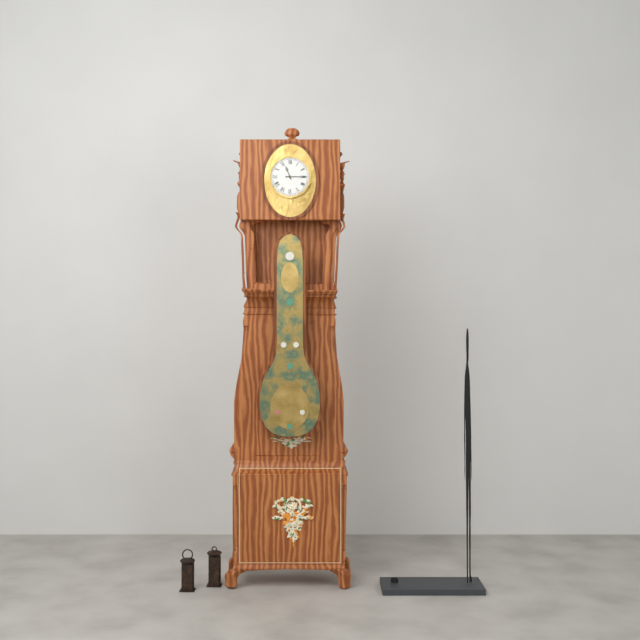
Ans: {"hour": 11, "minute": 15}
